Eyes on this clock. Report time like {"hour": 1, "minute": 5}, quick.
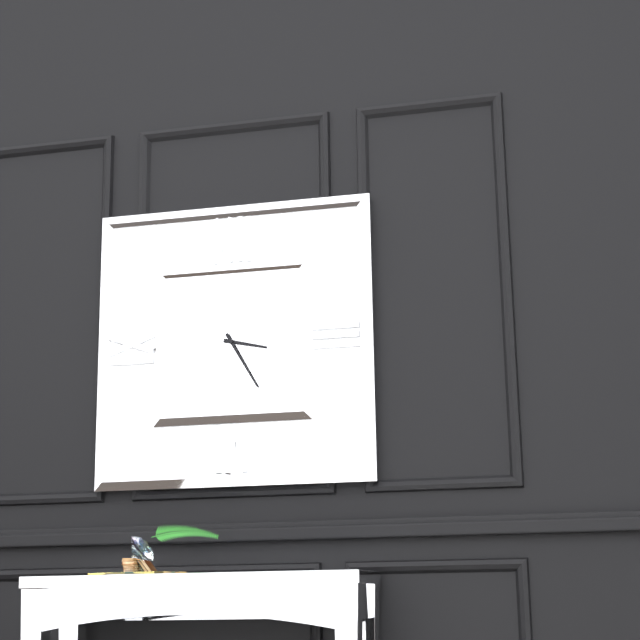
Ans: {"hour": 3, "minute": 25}
